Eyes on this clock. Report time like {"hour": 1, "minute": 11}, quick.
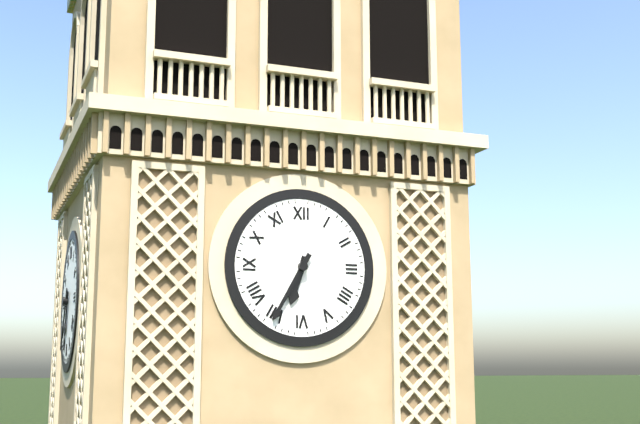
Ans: {"hour": 6, "minute": 35}
